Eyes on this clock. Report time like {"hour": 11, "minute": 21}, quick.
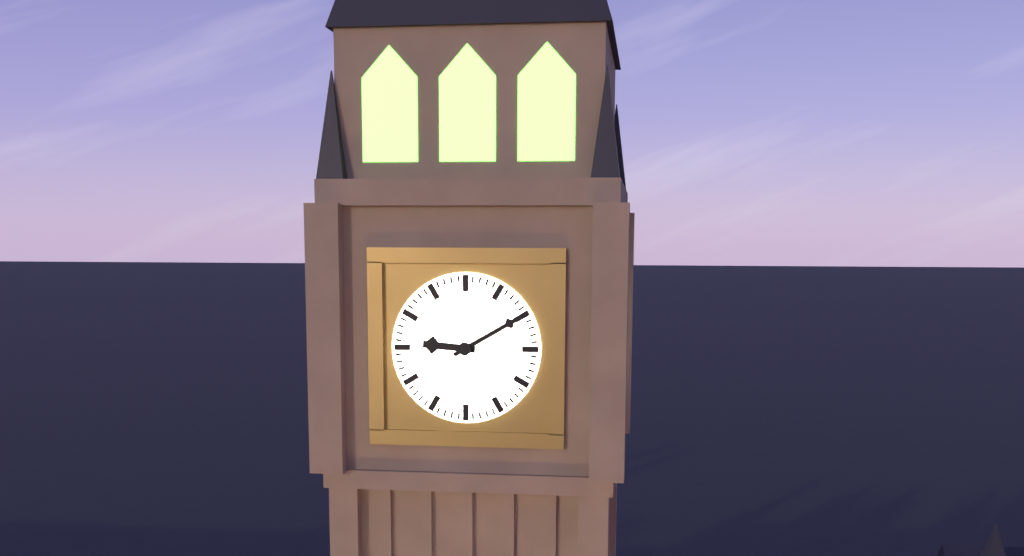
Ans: {"hour": 9, "minute": 10}
